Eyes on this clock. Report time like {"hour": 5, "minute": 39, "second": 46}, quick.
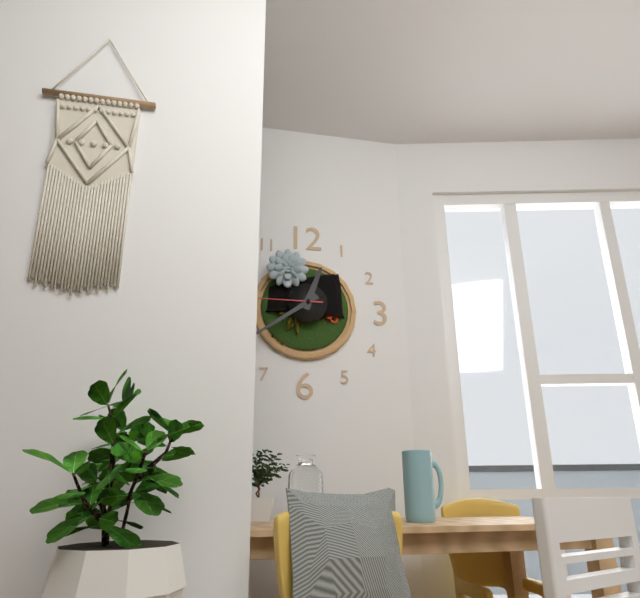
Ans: {"hour": 12, "minute": 39, "second": 45}
